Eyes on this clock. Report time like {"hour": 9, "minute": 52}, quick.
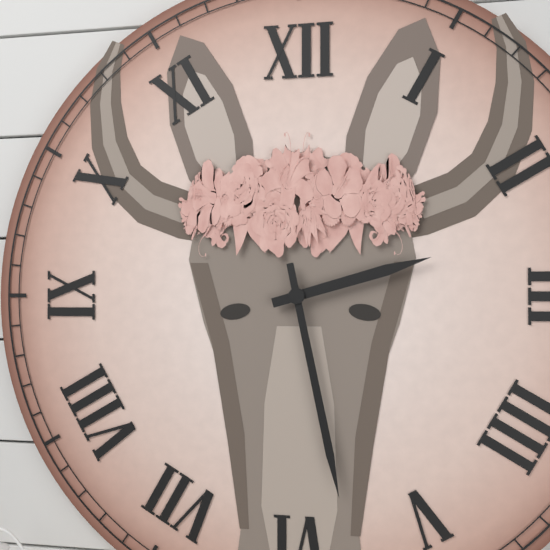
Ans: {"hour": 2, "minute": 28}
